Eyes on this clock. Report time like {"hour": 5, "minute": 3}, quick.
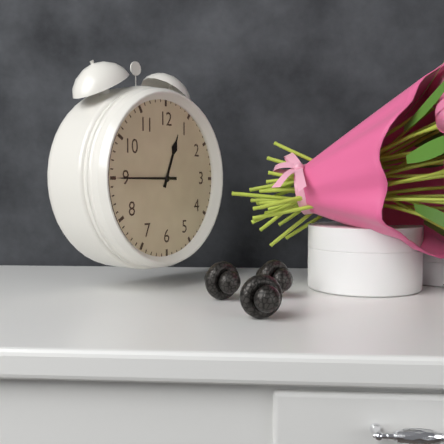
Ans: {"hour": 12, "minute": 45}
